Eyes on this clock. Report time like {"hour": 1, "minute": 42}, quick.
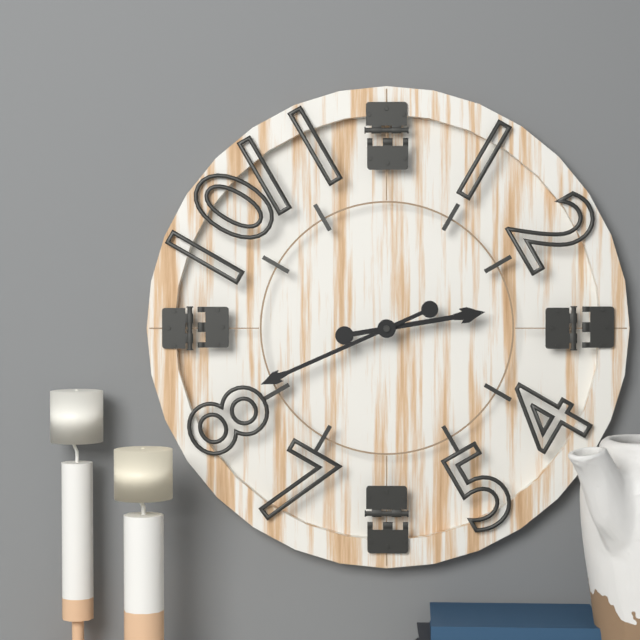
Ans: {"hour": 2, "minute": 41}
